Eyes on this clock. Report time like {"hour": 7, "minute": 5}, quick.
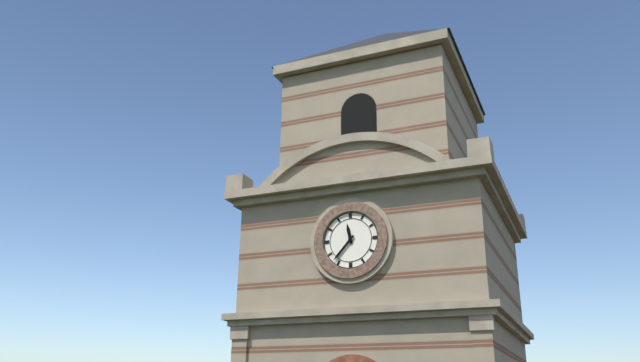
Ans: {"hour": 11, "minute": 37}
